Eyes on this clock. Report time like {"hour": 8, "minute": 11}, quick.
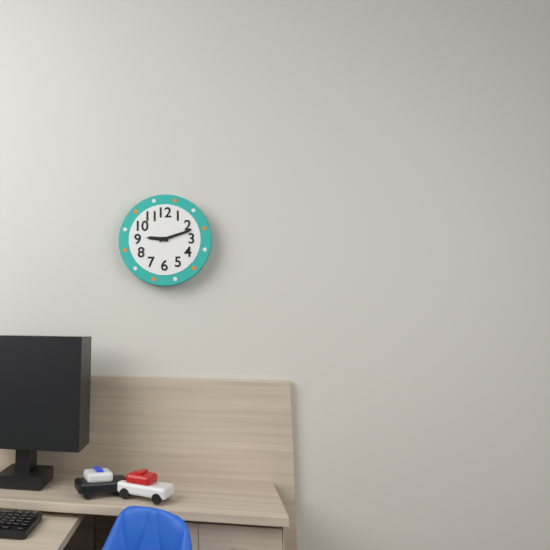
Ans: {"hour": 9, "minute": 12}
